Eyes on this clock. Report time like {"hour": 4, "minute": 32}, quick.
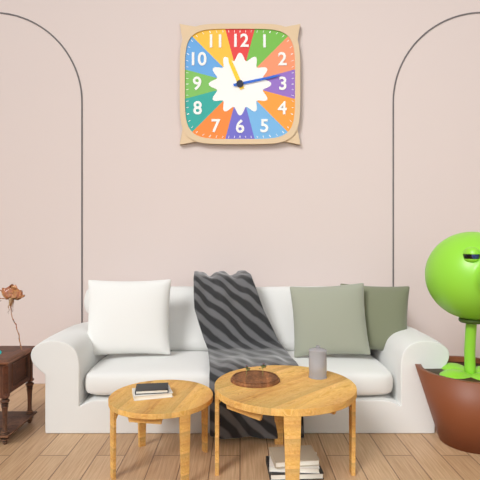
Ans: {"hour": 11, "minute": 13}
